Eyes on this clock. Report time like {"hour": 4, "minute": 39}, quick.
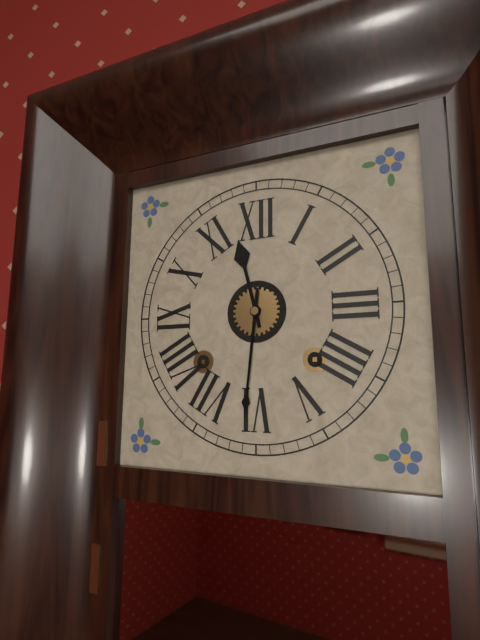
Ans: {"hour": 11, "minute": 31}
